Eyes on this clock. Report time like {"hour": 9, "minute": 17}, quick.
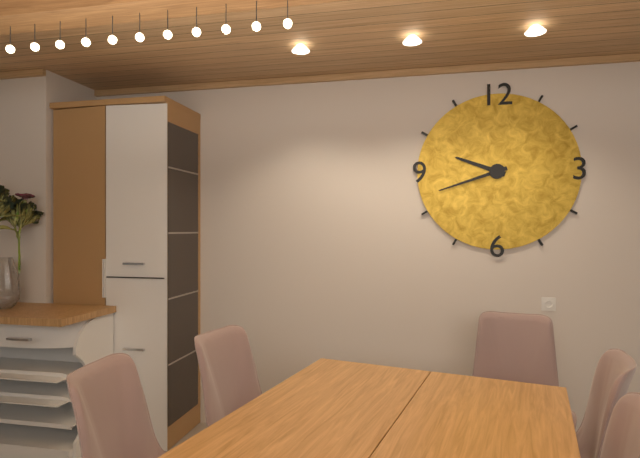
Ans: {"hour": 9, "minute": 42}
